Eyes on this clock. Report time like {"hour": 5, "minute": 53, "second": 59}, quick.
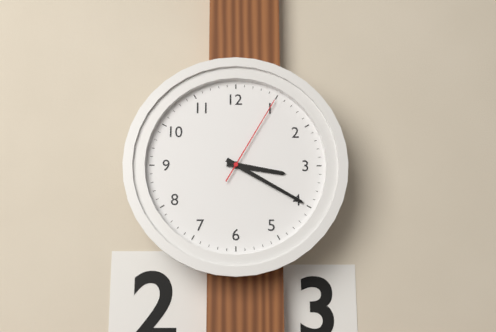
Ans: {"hour": 3, "minute": 20, "second": 5}
